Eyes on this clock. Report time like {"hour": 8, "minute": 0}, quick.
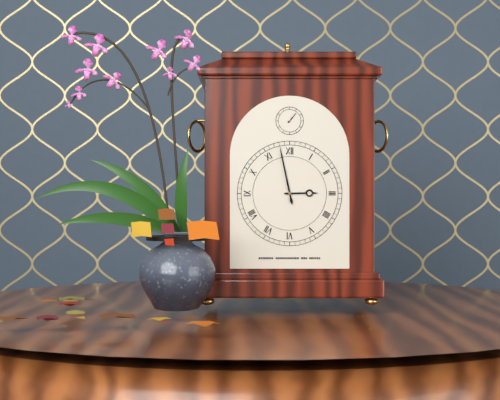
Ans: {"hour": 2, "minute": 58}
